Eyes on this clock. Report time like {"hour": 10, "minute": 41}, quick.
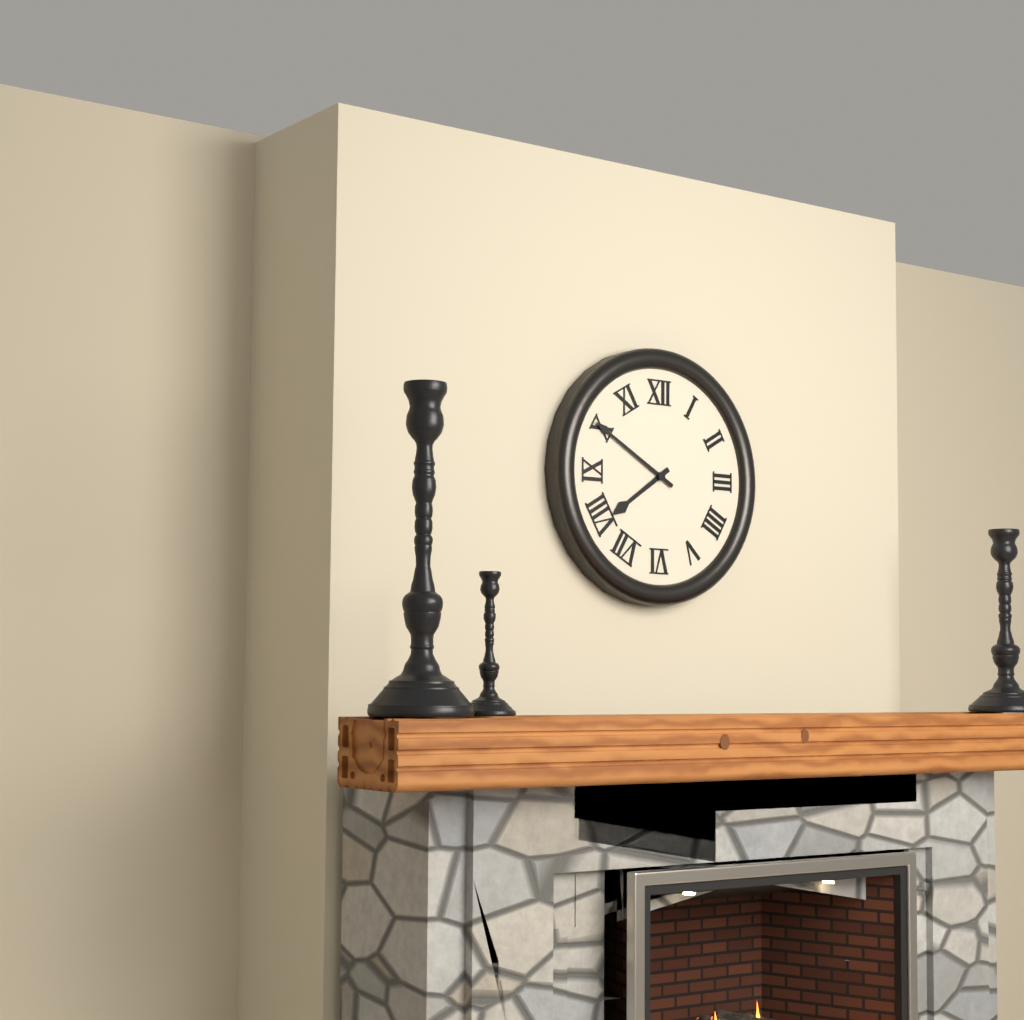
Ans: {"hour": 7, "minute": 50}
